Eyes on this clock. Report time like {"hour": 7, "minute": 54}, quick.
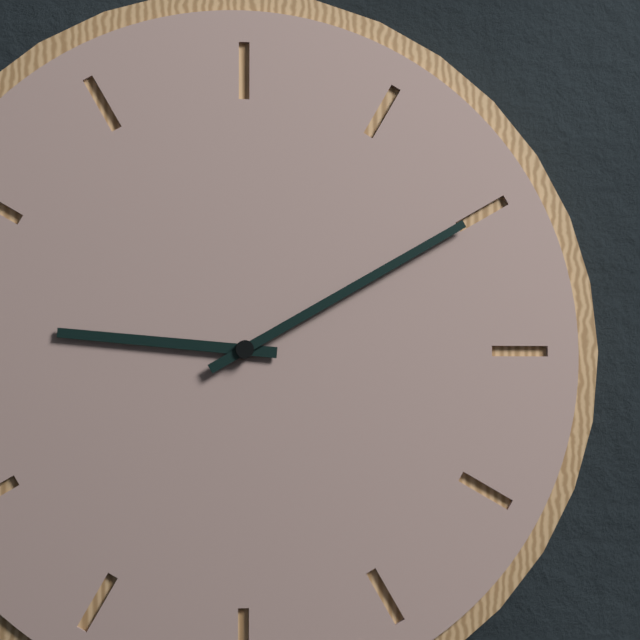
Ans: {"hour": 9, "minute": 10}
